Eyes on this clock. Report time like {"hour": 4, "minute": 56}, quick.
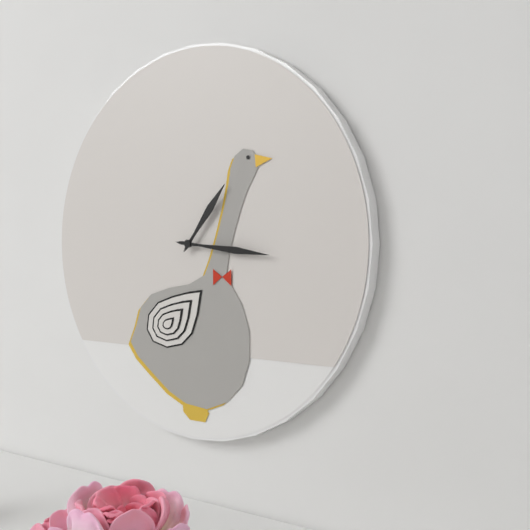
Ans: {"hour": 1, "minute": 16}
